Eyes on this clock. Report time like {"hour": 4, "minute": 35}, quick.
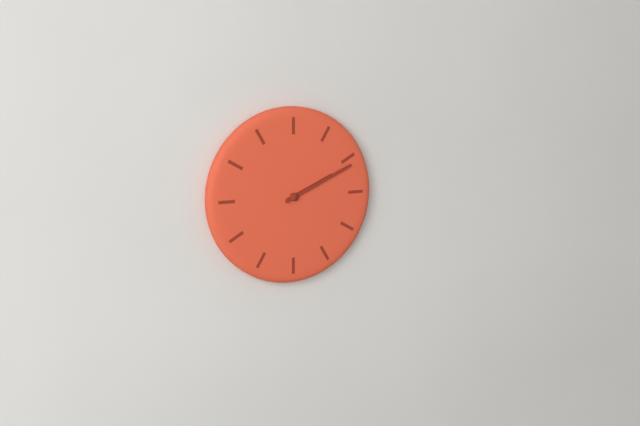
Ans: {"hour": 2, "minute": 11}
